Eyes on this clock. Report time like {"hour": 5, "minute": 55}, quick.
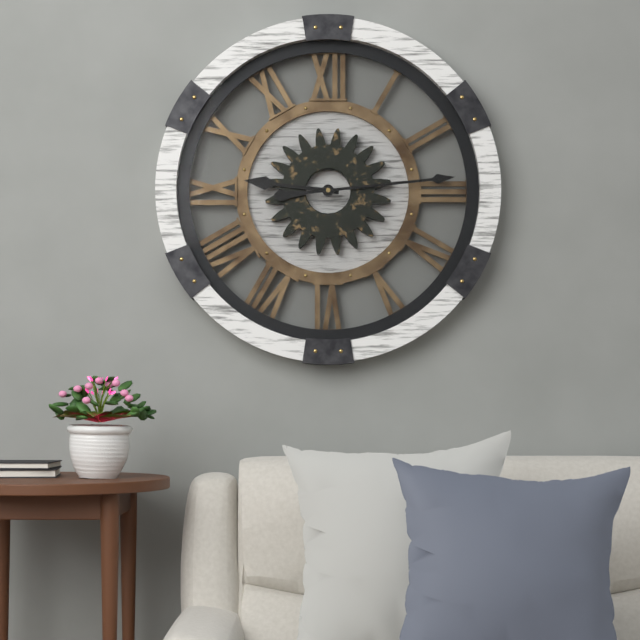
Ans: {"hour": 9, "minute": 14}
